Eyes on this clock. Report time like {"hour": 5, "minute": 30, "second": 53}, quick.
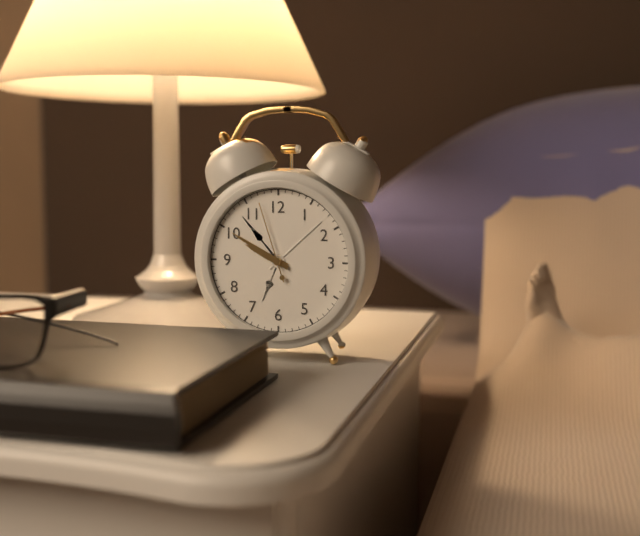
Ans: {"hour": 9, "minute": 50, "second": 57}
